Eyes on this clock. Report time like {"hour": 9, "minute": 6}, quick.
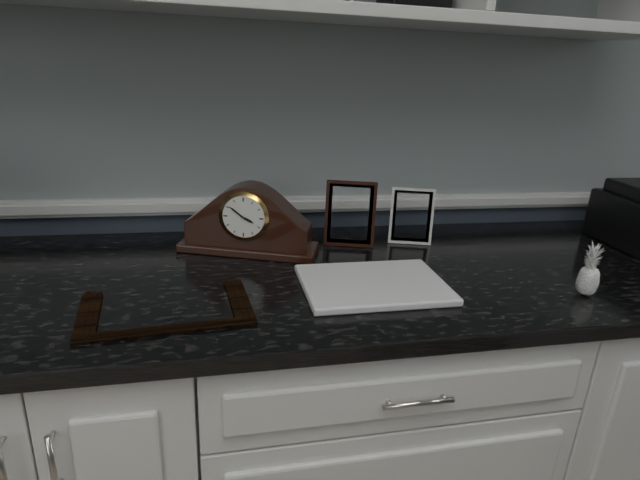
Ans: {"hour": 3, "minute": 51}
